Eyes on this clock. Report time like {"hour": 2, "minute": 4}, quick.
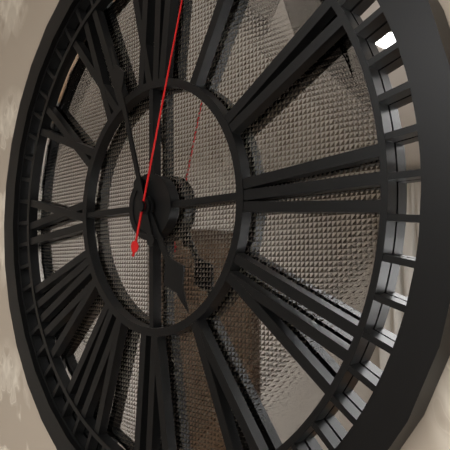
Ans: {"hour": 4, "minute": 57}
